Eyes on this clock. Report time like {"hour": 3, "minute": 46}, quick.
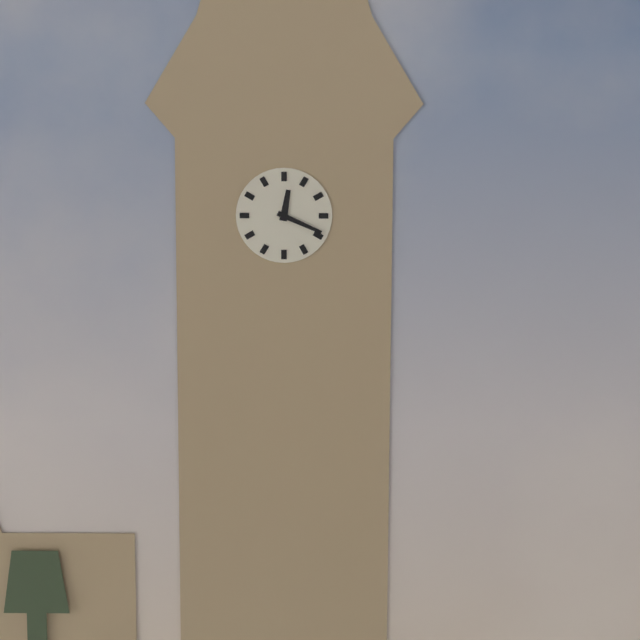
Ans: {"hour": 12, "minute": 19}
